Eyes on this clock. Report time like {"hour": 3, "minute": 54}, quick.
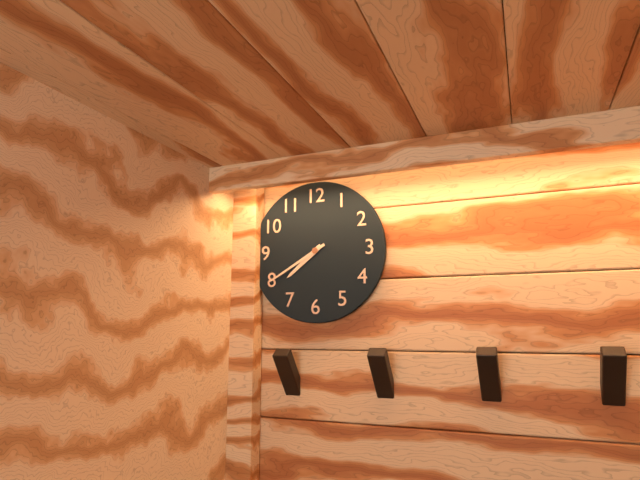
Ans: {"hour": 7, "minute": 40}
